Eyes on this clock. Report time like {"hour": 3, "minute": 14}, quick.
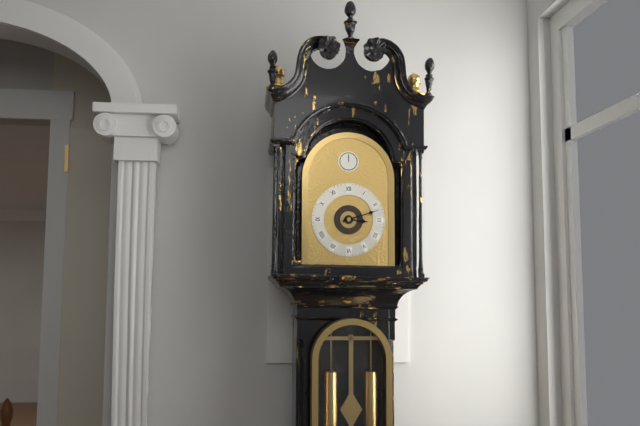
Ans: {"hour": 3, "minute": 12}
